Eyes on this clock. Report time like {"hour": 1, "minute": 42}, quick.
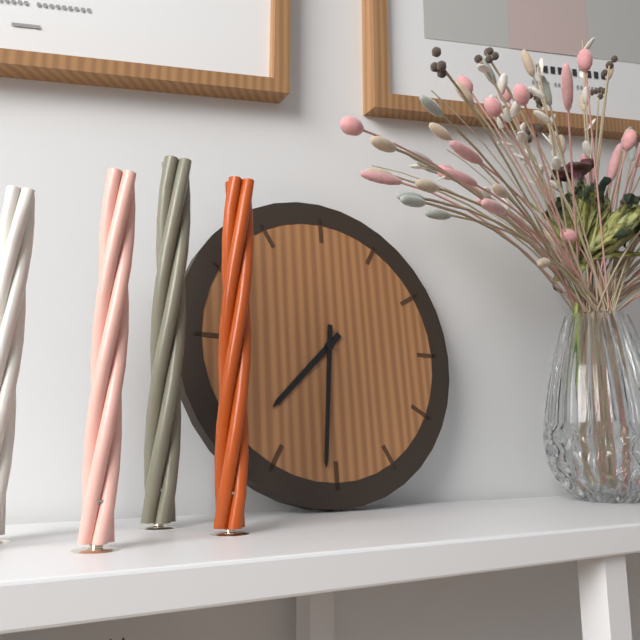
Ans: {"hour": 7, "minute": 31}
